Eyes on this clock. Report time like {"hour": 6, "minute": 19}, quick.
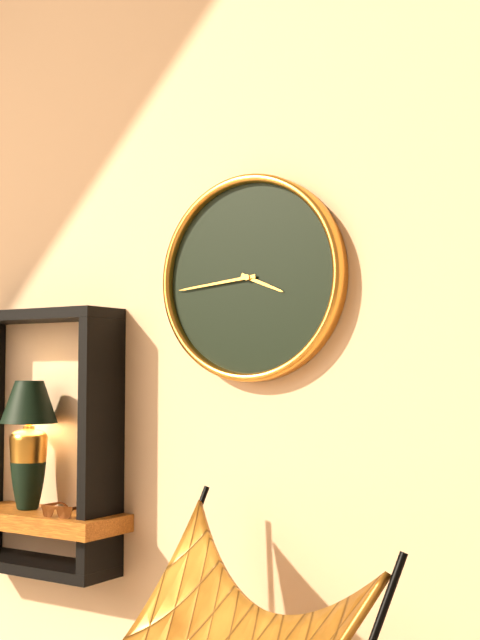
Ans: {"hour": 3, "minute": 44}
